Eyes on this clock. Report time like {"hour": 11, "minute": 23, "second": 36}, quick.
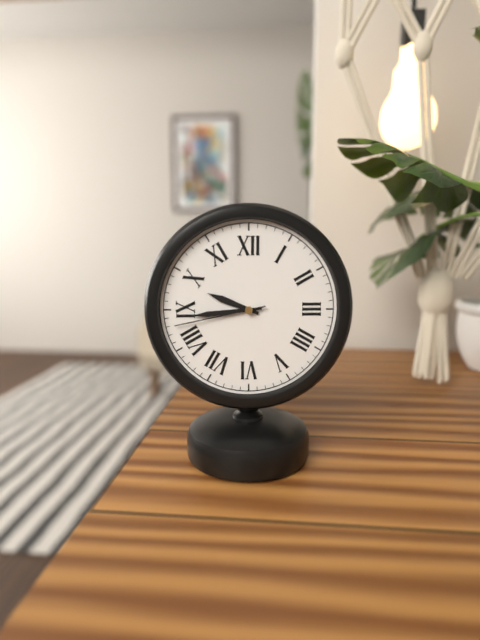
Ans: {"hour": 9, "minute": 44, "second": 43}
